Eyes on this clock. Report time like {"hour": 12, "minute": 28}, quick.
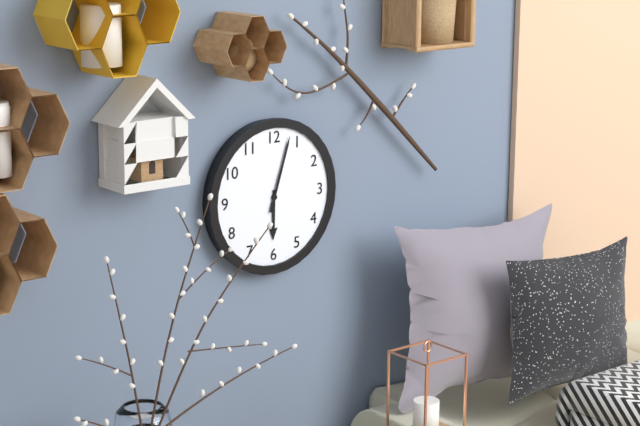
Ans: {"hour": 6, "minute": 3}
